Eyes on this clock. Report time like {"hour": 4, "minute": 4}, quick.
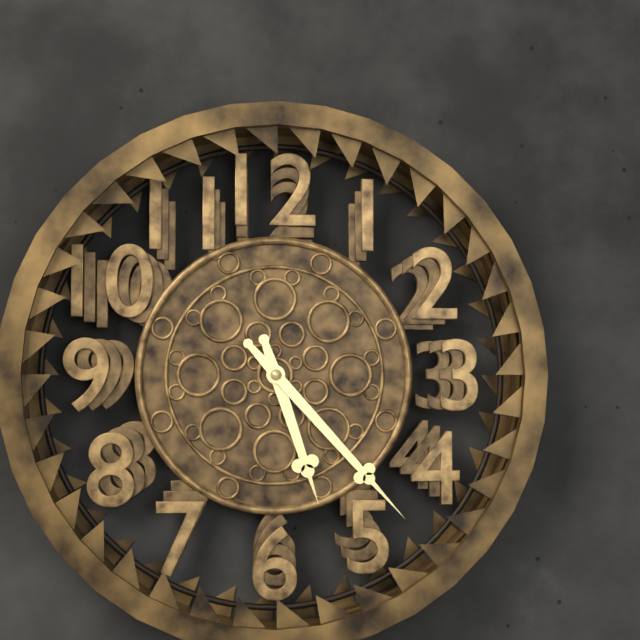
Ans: {"hour": 5, "minute": 23}
